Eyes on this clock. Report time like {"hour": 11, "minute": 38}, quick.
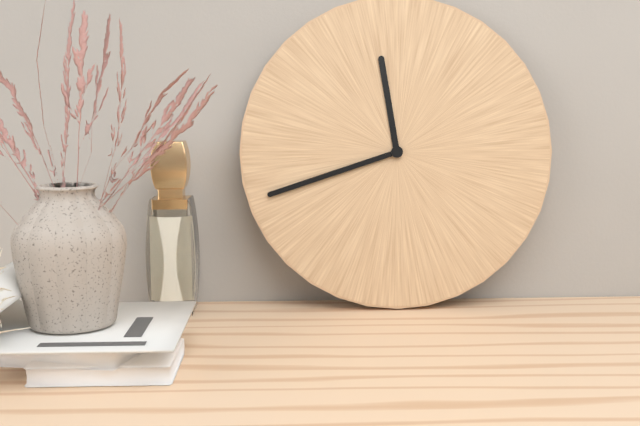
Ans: {"hour": 11, "minute": 42}
